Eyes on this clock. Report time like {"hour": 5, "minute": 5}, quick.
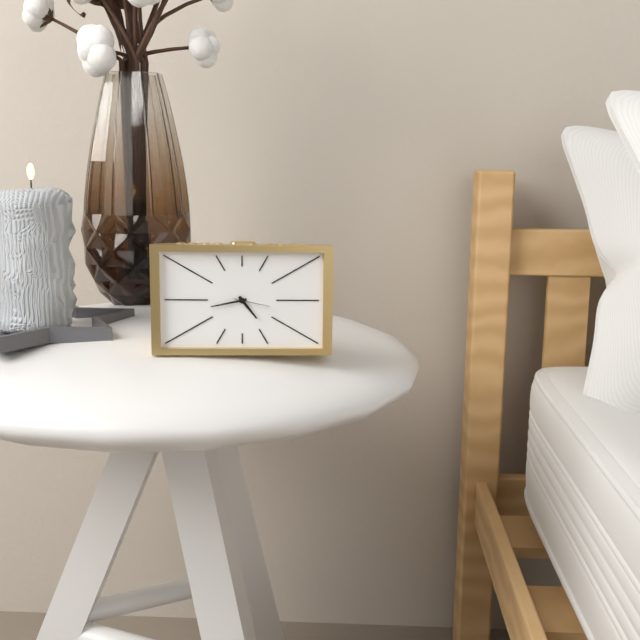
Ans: {"hour": 4, "minute": 43}
